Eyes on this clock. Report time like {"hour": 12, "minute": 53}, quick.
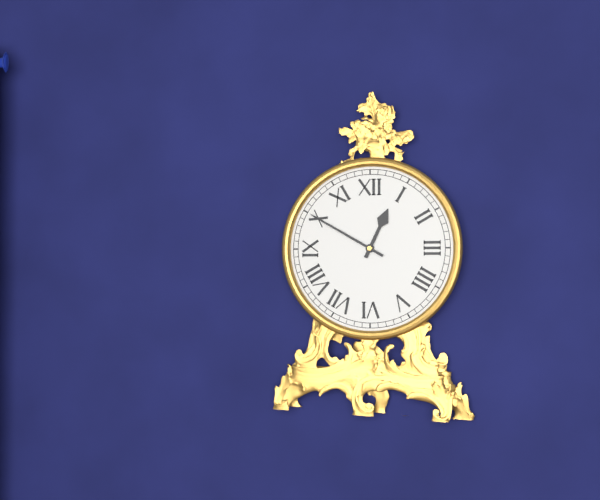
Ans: {"hour": 12, "minute": 50}
